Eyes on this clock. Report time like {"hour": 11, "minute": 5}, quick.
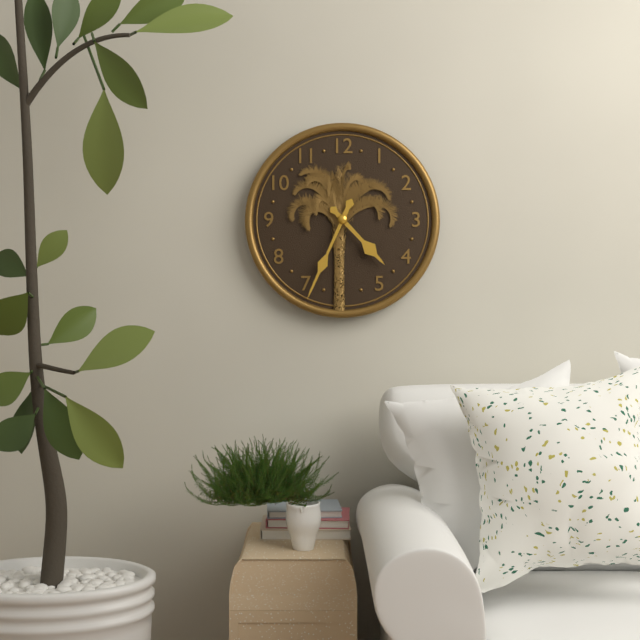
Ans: {"hour": 4, "minute": 34}
